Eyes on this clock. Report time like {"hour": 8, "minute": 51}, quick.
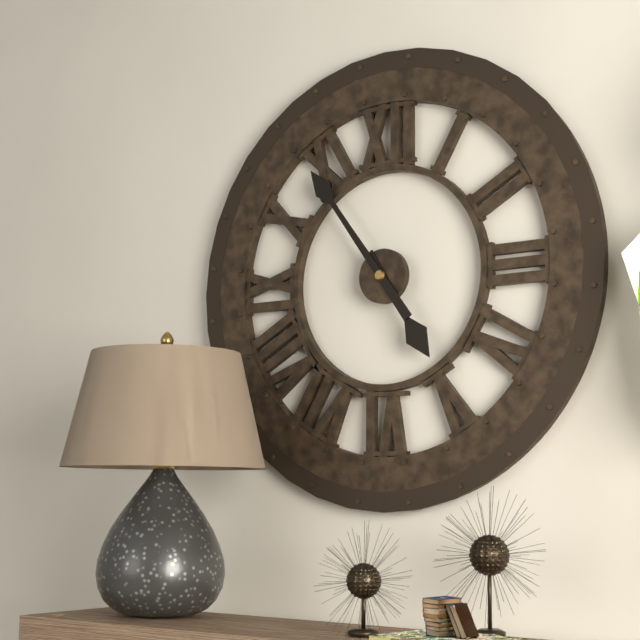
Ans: {"hour": 4, "minute": 54}
